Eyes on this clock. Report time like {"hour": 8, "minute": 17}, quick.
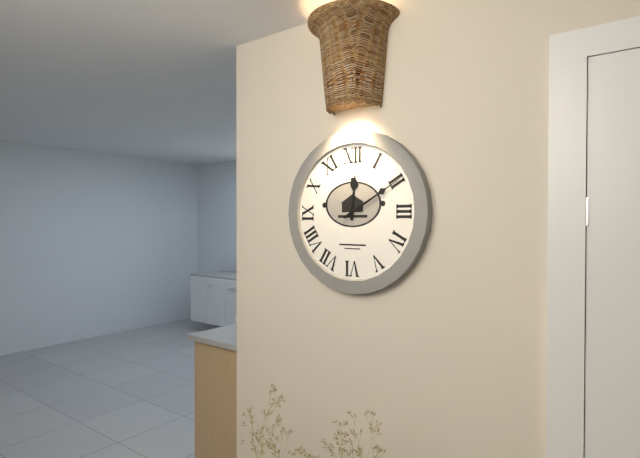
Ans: {"hour": 12, "minute": 10}
